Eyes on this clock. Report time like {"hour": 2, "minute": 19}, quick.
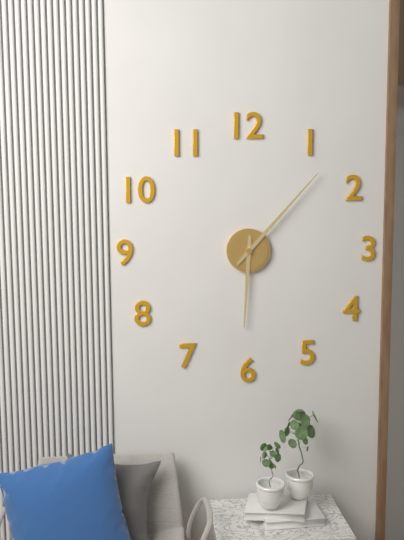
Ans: {"hour": 6, "minute": 7}
